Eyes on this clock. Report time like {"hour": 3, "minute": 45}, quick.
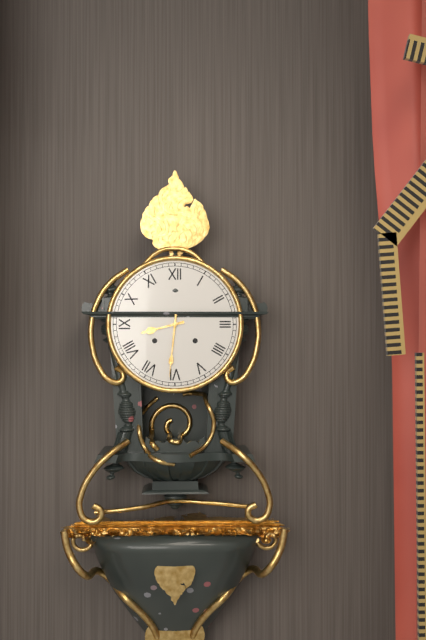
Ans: {"hour": 8, "minute": 31}
